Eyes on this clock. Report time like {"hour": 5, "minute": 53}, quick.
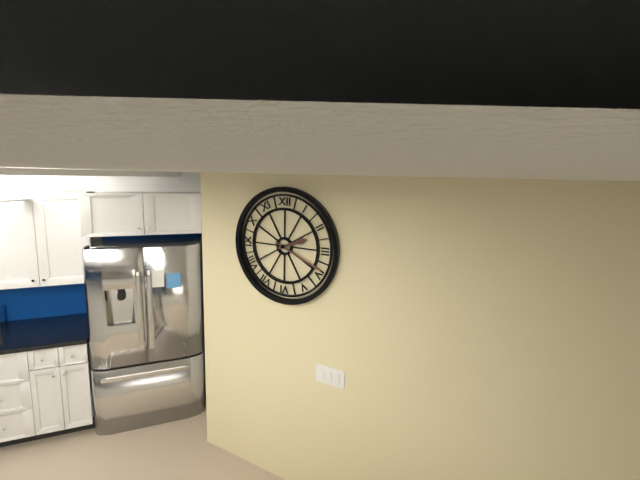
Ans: {"hour": 2, "minute": 19}
